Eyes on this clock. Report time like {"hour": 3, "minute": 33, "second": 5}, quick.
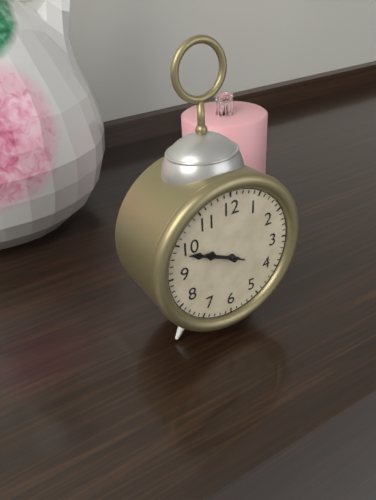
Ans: {"hour": 9, "minute": 49, "second": 49}
